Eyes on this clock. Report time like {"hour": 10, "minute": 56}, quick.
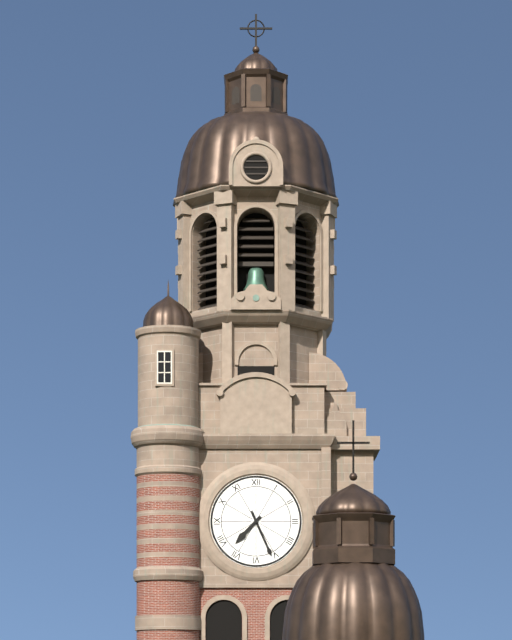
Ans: {"hour": 7, "minute": 26}
